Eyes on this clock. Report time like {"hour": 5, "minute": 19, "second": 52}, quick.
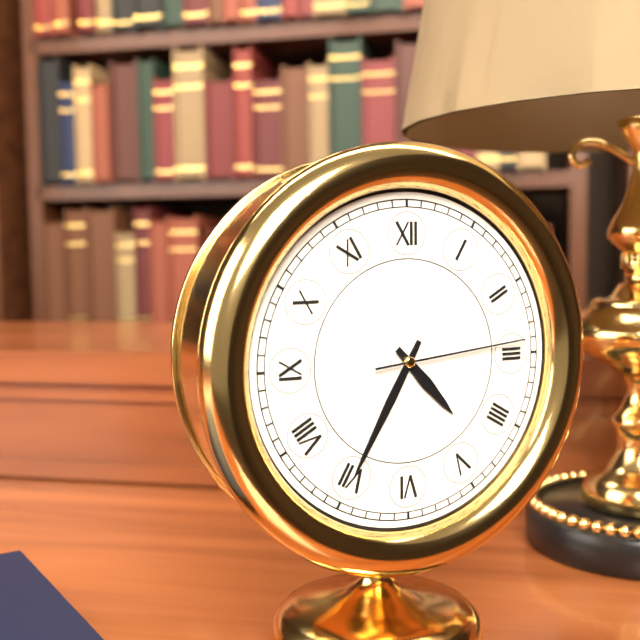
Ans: {"hour": 4, "minute": 35, "second": 14}
